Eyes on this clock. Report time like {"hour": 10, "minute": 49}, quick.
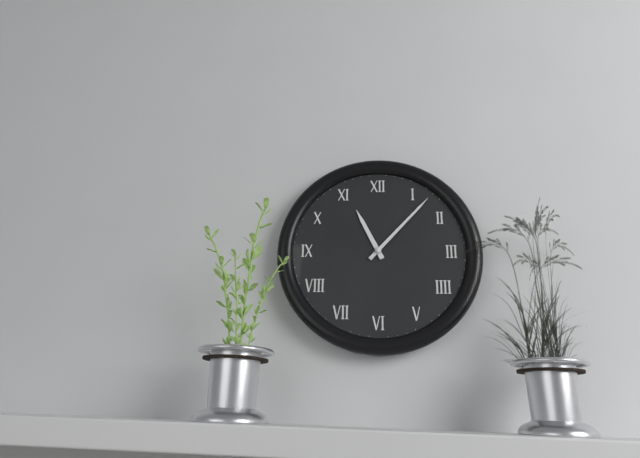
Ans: {"hour": 11, "minute": 7}
